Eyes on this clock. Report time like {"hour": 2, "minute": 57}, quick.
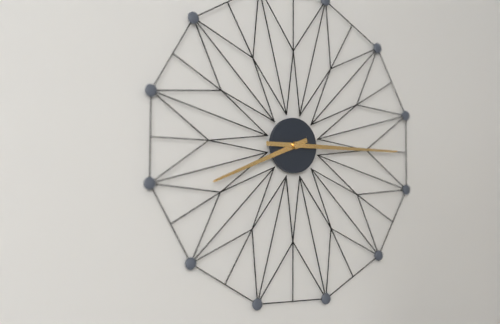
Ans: {"hour": 8, "minute": 15}
